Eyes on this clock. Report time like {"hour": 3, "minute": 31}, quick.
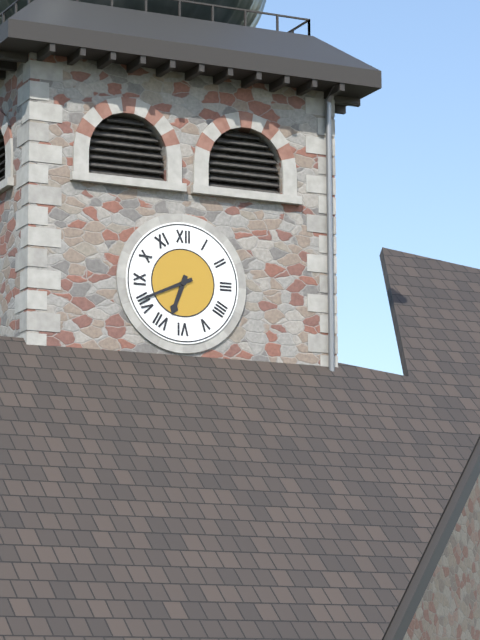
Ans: {"hour": 6, "minute": 41}
